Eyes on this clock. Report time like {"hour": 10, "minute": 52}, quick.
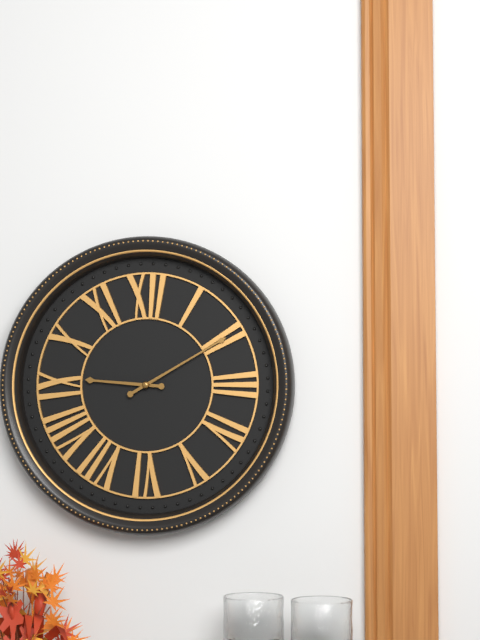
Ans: {"hour": 9, "minute": 10}
